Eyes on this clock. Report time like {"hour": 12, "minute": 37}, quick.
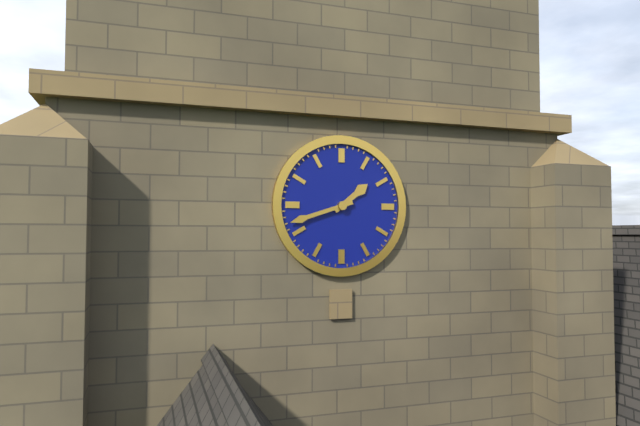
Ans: {"hour": 1, "minute": 42}
